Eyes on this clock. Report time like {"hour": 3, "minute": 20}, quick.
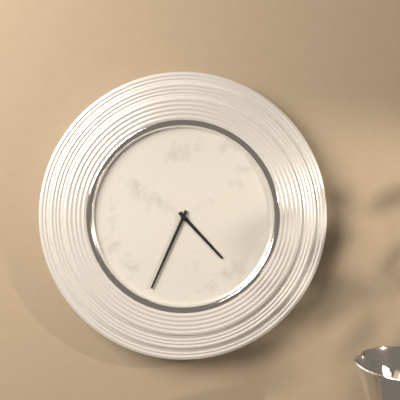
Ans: {"hour": 4, "minute": 34}
